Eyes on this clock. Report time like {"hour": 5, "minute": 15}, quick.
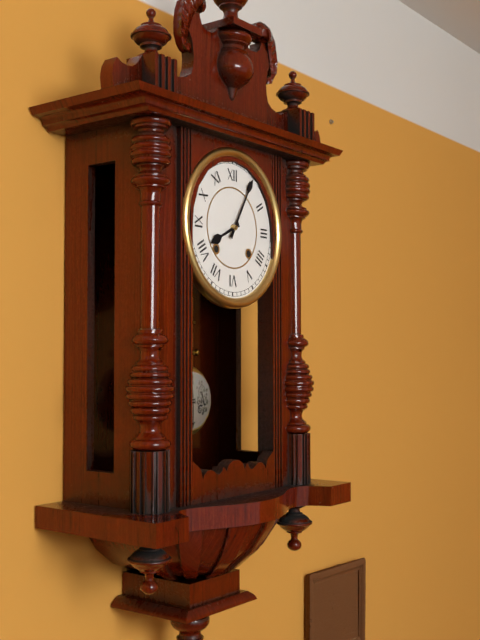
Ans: {"hour": 8, "minute": 5}
